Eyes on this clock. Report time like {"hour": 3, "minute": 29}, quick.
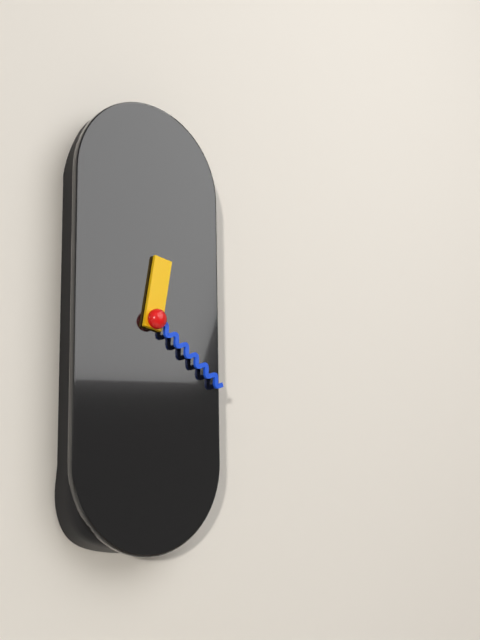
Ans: {"hour": 12, "minute": 21}
